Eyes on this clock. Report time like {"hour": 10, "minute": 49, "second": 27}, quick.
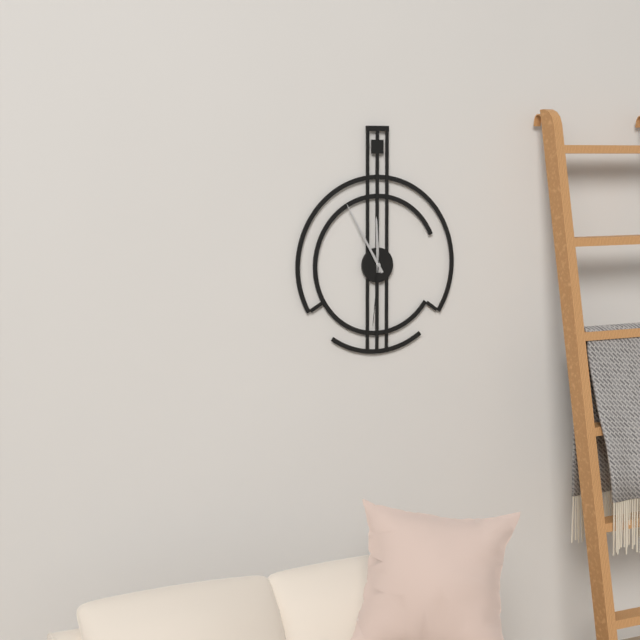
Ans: {"hour": 11, "minute": 55, "second": 31}
